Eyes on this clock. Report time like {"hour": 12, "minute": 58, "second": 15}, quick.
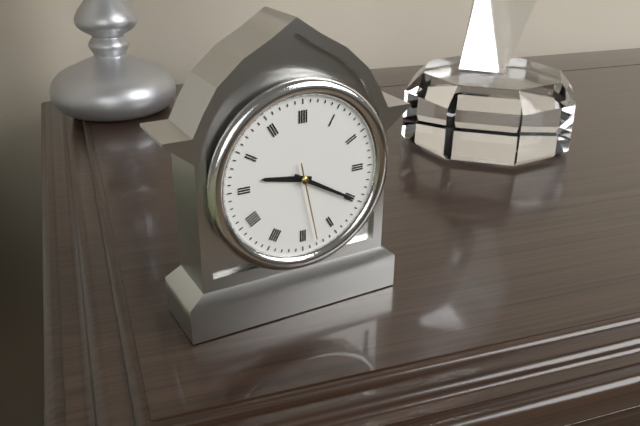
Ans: {"hour": 9, "minute": 20, "second": 28}
